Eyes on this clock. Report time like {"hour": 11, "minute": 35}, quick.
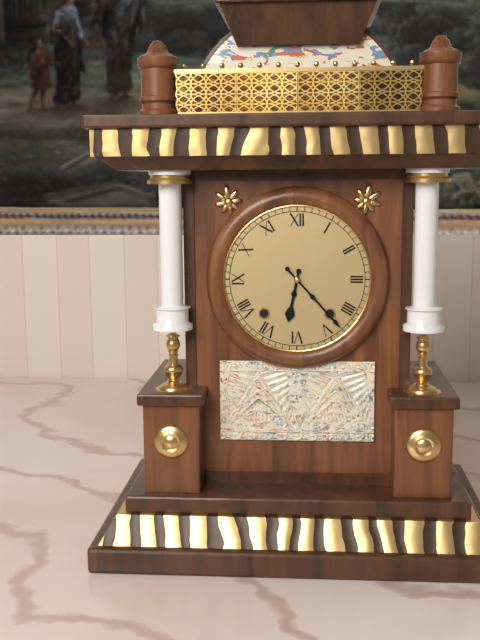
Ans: {"hour": 6, "minute": 23}
